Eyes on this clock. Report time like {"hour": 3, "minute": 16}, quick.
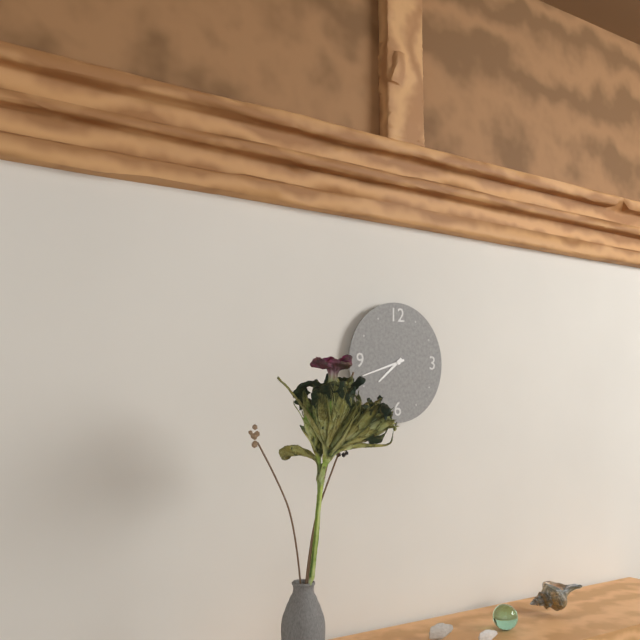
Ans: {"hour": 7, "minute": 42}
